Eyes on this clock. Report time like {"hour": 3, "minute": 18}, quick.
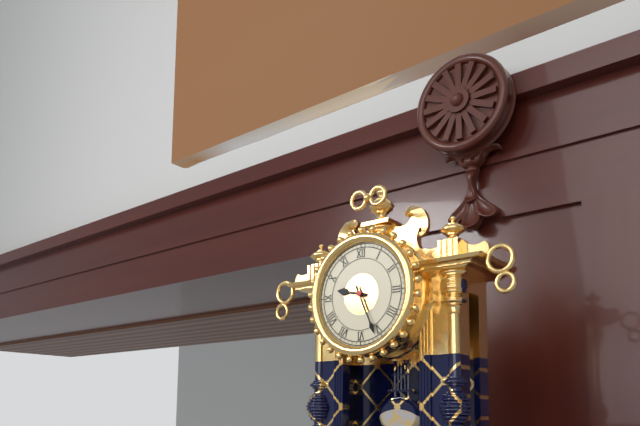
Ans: {"hour": 9, "minute": 26}
